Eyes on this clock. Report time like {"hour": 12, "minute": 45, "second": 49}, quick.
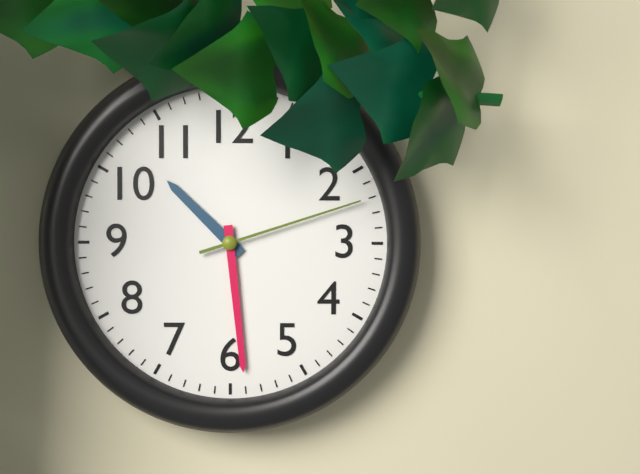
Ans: {"hour": 10, "minute": 29, "second": 12}
